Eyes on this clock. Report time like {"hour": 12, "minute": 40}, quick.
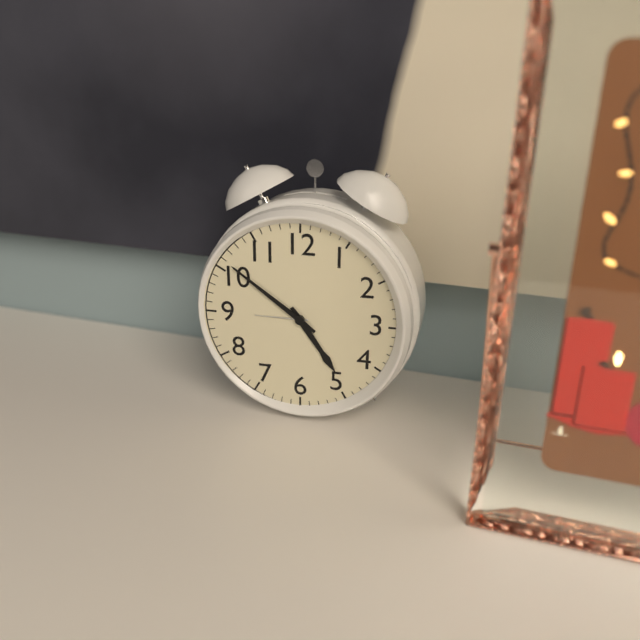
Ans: {"hour": 4, "minute": 51}
